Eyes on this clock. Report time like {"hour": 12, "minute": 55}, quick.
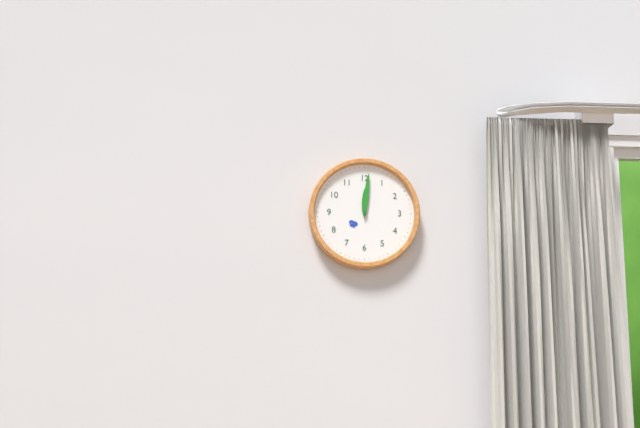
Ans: {"hour": 12, "minute": 1}
